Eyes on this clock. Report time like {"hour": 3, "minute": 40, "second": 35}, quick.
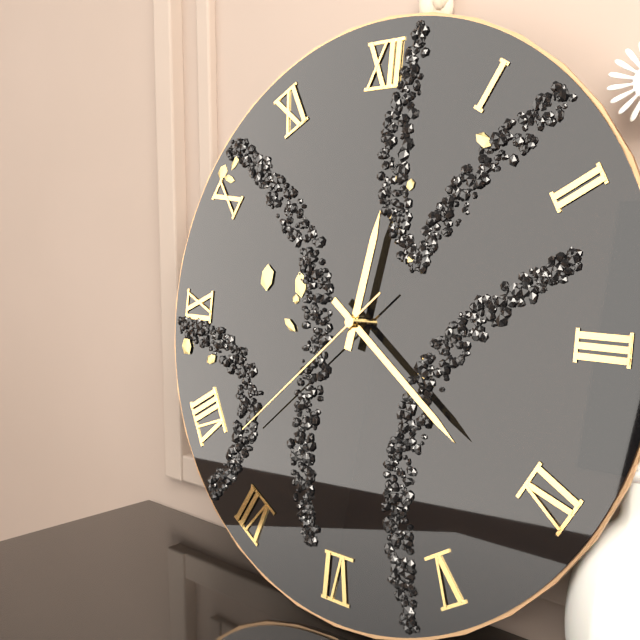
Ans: {"hour": 12, "minute": 21, "second": 38}
